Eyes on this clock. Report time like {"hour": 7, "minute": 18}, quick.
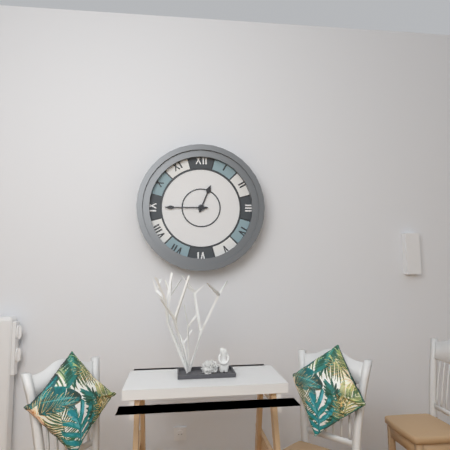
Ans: {"hour": 12, "minute": 45}
